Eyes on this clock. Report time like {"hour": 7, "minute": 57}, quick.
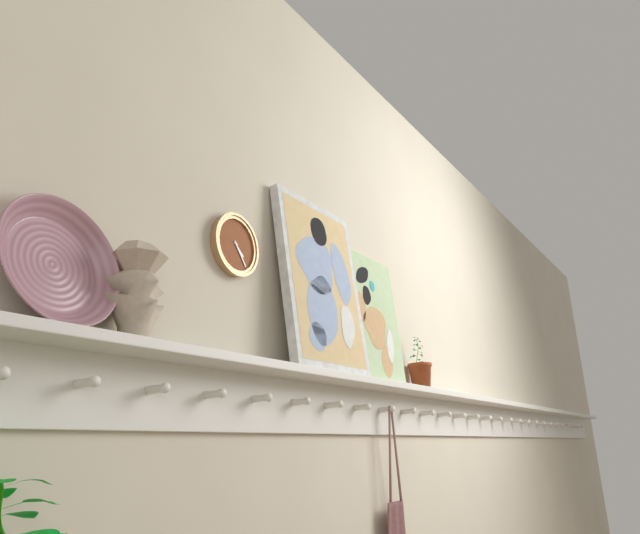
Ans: {"hour": 4, "minute": 24}
